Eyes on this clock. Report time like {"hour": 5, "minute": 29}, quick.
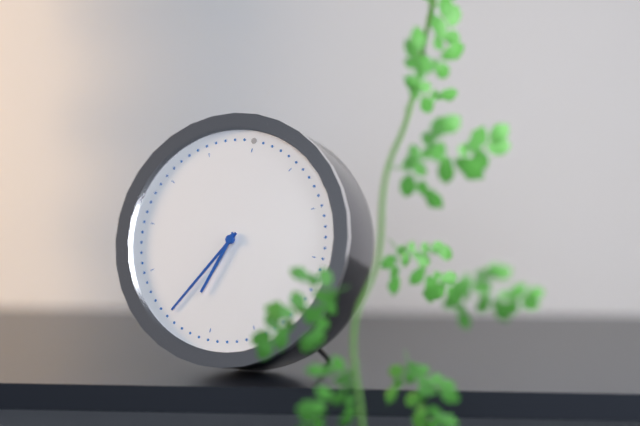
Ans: {"hour": 6, "minute": 35}
